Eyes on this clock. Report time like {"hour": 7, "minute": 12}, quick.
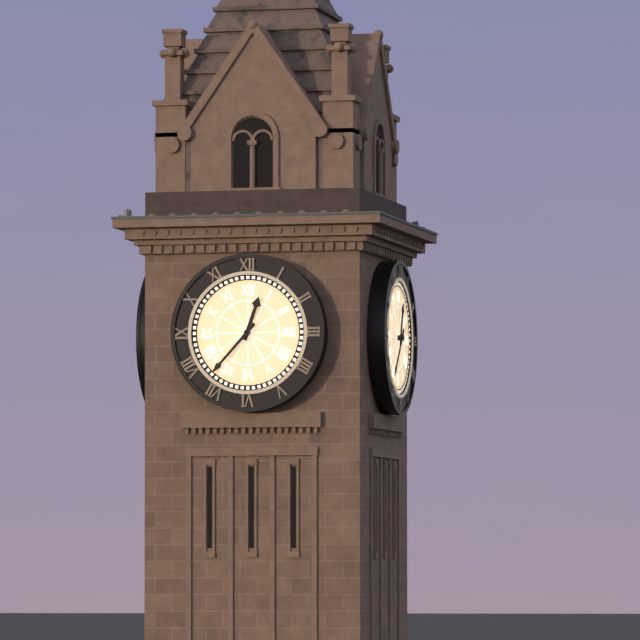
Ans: {"hour": 12, "minute": 37}
